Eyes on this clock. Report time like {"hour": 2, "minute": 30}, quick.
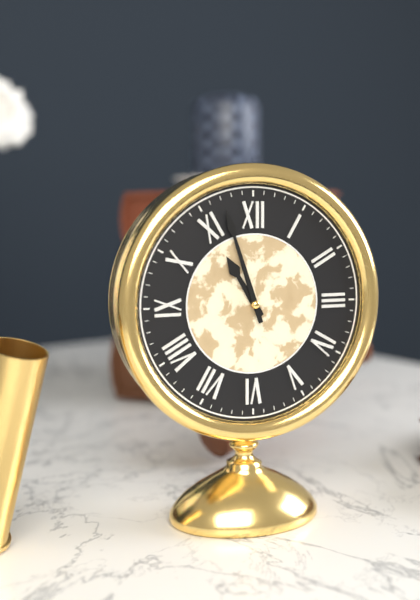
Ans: {"hour": 10, "minute": 57}
